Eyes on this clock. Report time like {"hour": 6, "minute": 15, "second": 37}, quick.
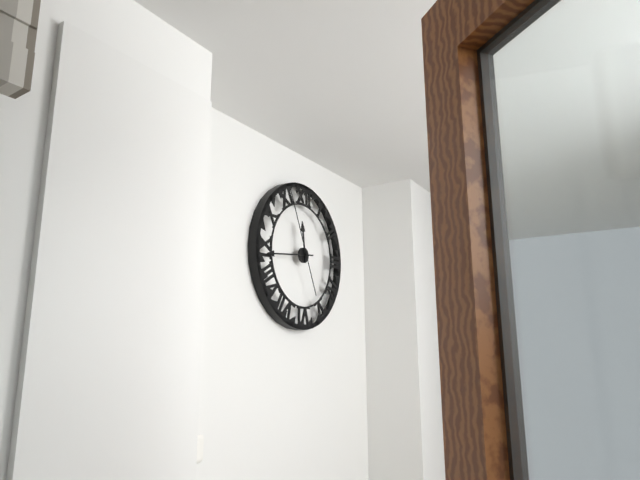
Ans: {"hour": 11, "minute": 44, "second": 56}
